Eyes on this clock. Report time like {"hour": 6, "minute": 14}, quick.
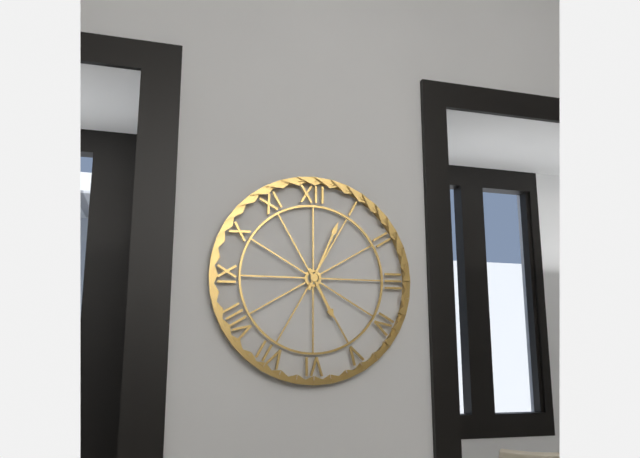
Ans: {"hour": 5, "minute": 4}
